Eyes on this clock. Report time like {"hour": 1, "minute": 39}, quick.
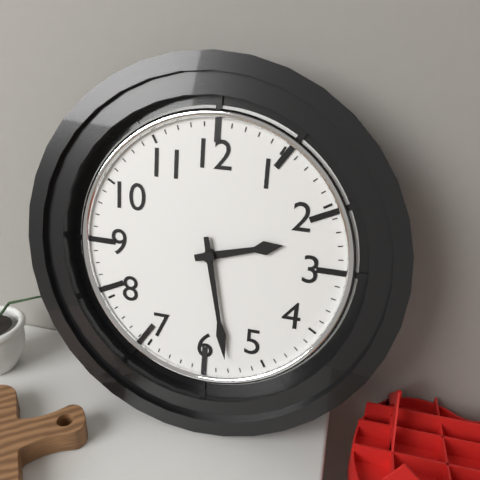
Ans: {"hour": 2, "minute": 28}
